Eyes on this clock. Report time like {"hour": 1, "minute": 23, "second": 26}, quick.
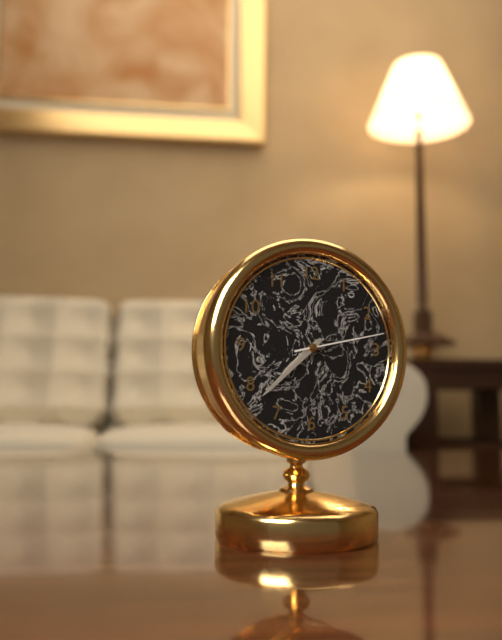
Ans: {"hour": 7, "minute": 38, "second": 13}
